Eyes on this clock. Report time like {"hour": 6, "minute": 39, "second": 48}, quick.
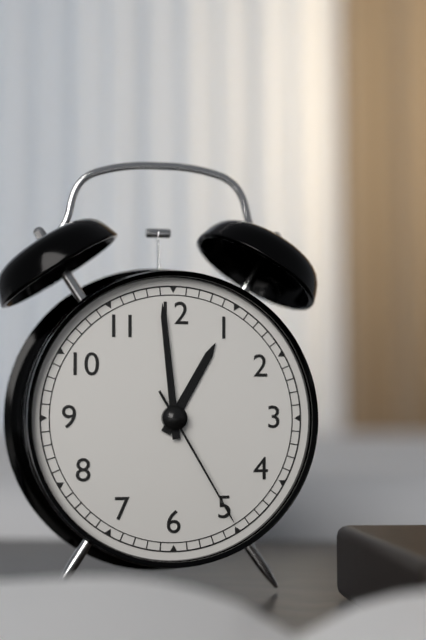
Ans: {"hour": 12, "minute": 59, "second": 25}
